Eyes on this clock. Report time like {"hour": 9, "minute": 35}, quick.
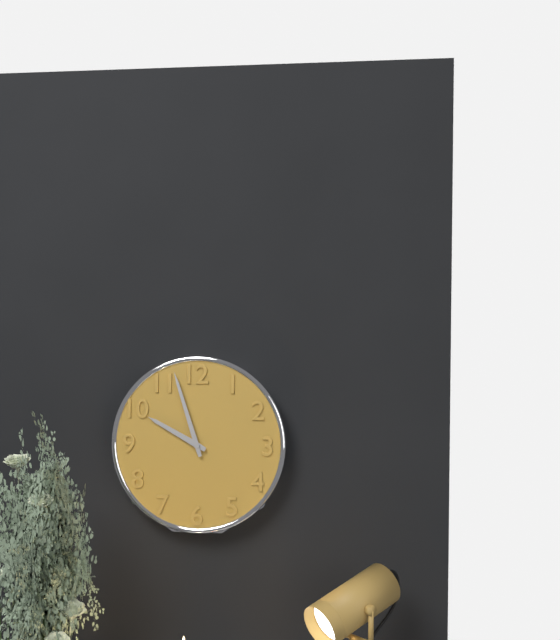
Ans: {"hour": 9, "minute": 57}
